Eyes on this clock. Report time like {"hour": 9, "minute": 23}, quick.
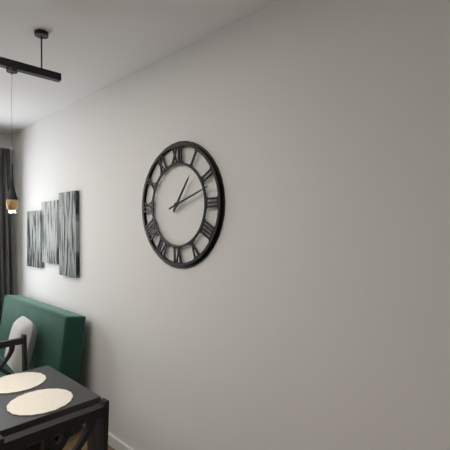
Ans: {"hour": 1, "minute": 12}
